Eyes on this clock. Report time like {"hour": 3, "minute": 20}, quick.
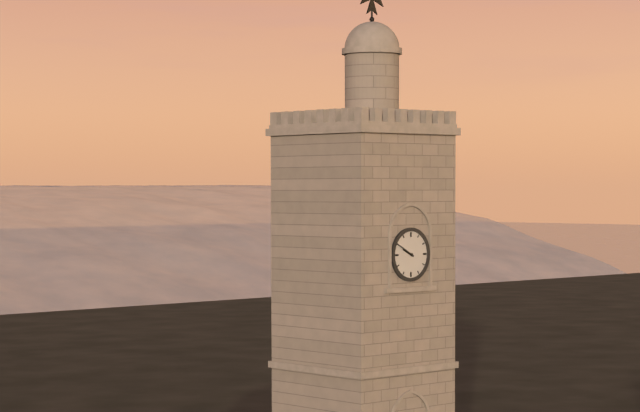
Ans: {"hour": 9, "minute": 50}
